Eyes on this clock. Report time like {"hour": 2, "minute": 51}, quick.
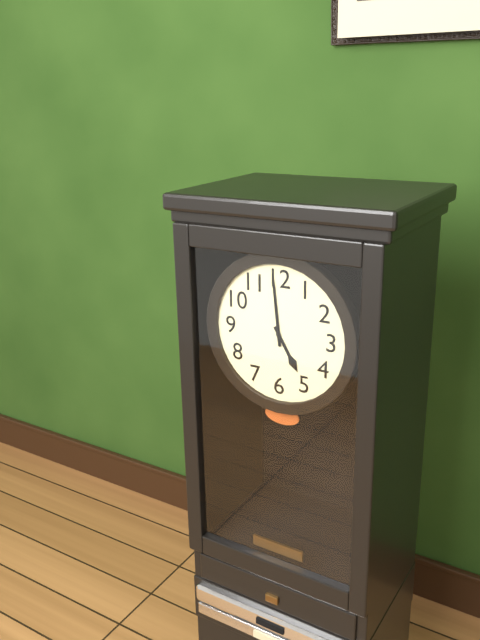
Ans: {"hour": 4, "minute": 59}
